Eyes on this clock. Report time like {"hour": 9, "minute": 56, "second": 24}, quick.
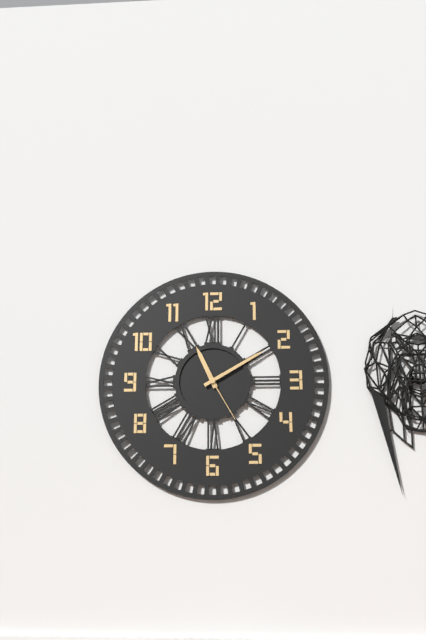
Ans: {"hour": 11, "minute": 10, "second": 25}
